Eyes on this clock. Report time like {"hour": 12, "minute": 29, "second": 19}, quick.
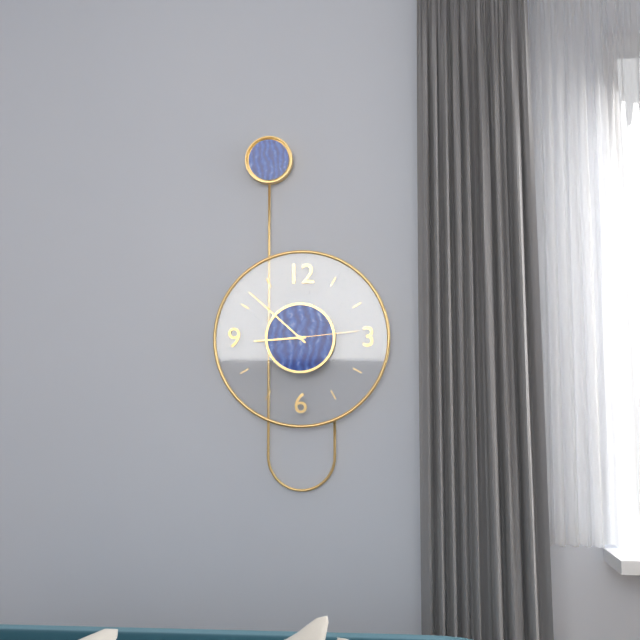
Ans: {"hour": 8, "minute": 52, "second": 14}
